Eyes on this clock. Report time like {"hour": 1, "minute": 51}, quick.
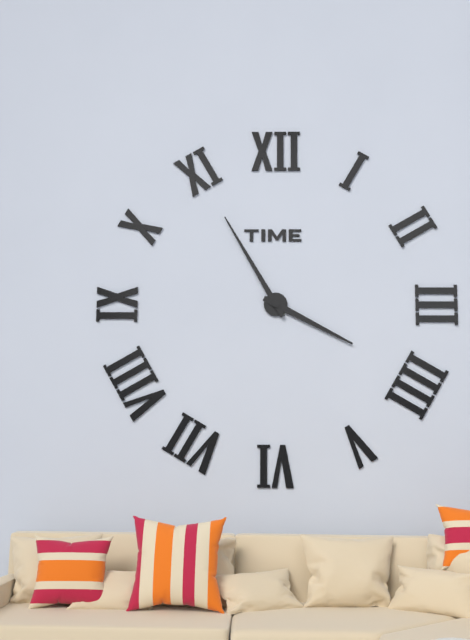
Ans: {"hour": 3, "minute": 55}
